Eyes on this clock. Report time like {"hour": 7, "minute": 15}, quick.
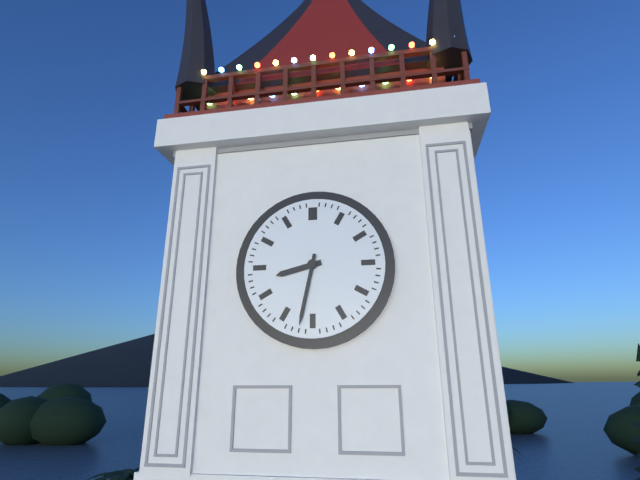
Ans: {"hour": 8, "minute": 32}
